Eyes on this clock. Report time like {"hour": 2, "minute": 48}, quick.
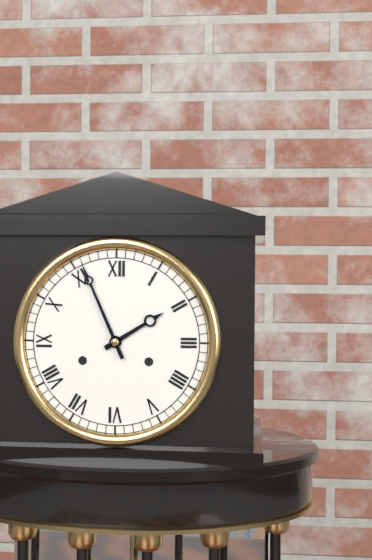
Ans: {"hour": 1, "minute": 56}
